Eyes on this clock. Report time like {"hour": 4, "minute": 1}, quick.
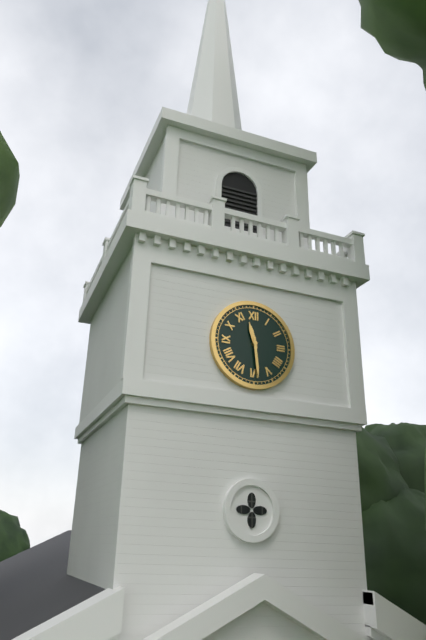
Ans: {"hour": 11, "minute": 29}
